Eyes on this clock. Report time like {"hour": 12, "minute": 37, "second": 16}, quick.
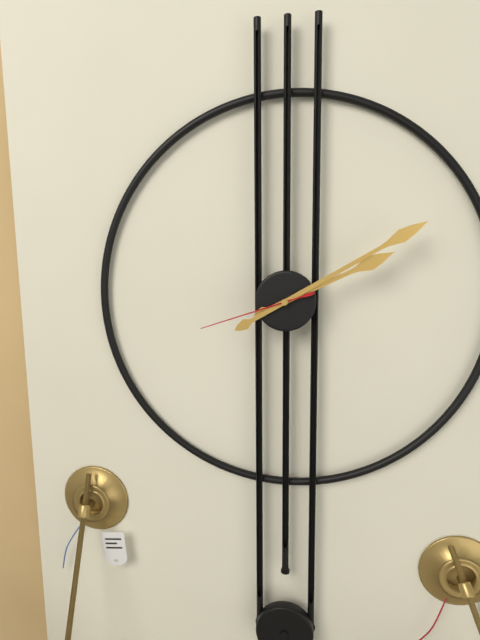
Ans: {"hour": 2, "minute": 10, "second": 42}
